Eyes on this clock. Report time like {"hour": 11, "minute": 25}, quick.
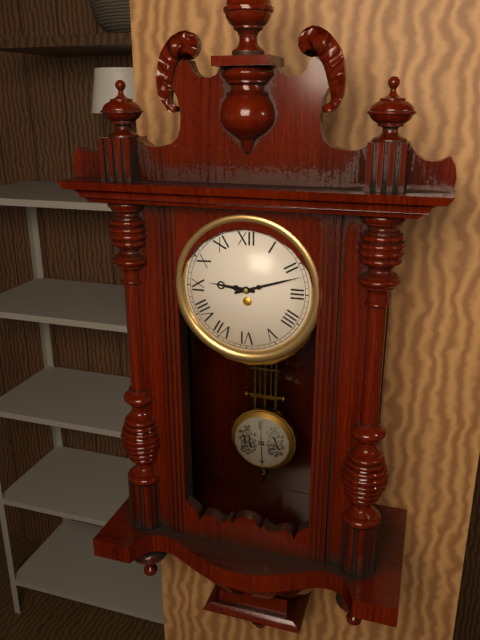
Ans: {"hour": 9, "minute": 12}
